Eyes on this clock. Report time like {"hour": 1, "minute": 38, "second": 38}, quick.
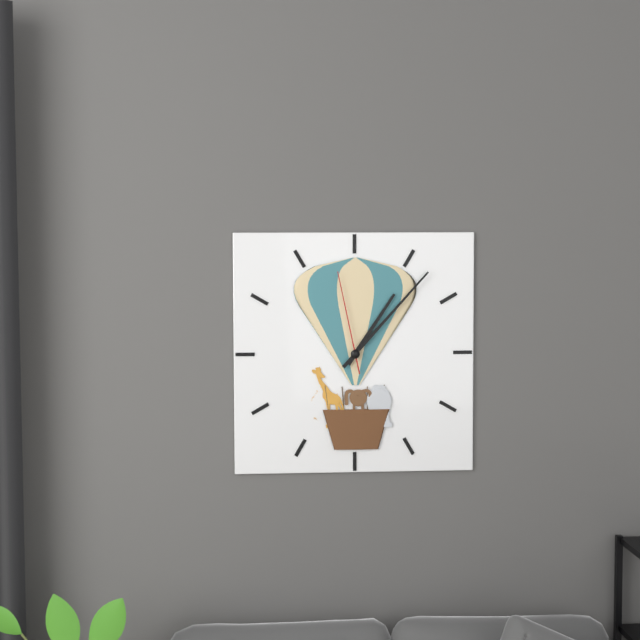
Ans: {"hour": 1, "minute": 7, "second": 58}
